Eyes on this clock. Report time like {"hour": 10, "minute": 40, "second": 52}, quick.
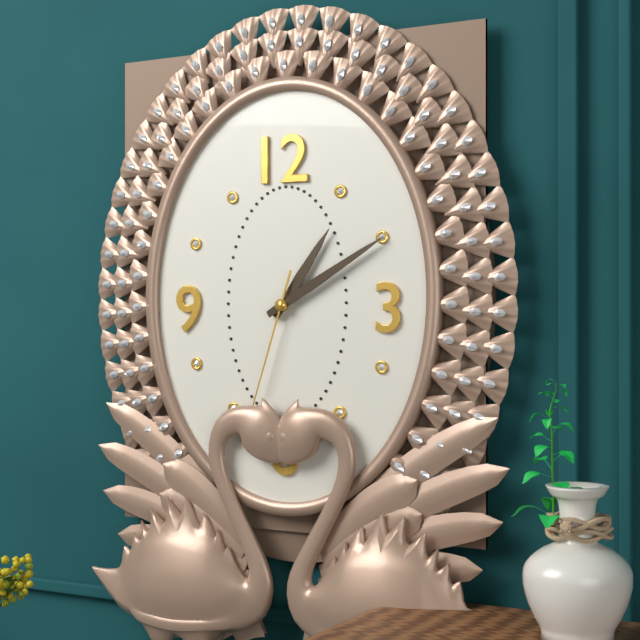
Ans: {"hour": 1, "minute": 10, "second": 33}
